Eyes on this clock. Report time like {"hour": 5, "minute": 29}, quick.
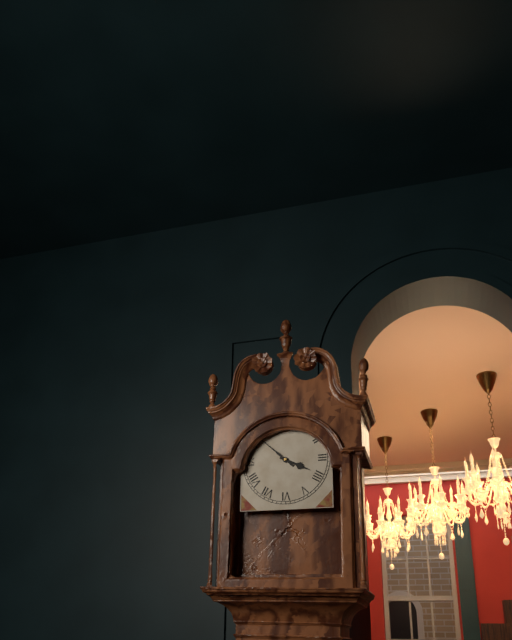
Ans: {"hour": 3, "minute": 52}
